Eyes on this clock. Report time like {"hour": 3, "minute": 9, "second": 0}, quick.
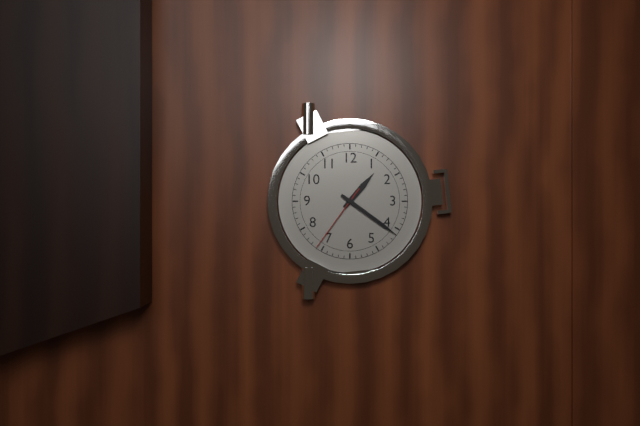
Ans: {"hour": 1, "minute": 21, "second": 36}
